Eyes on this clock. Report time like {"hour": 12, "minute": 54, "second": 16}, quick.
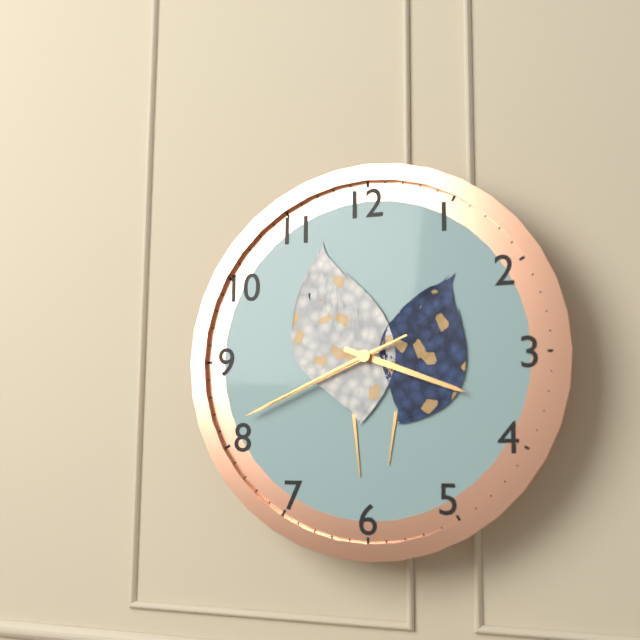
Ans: {"hour": 3, "minute": 41, "second": 41}
